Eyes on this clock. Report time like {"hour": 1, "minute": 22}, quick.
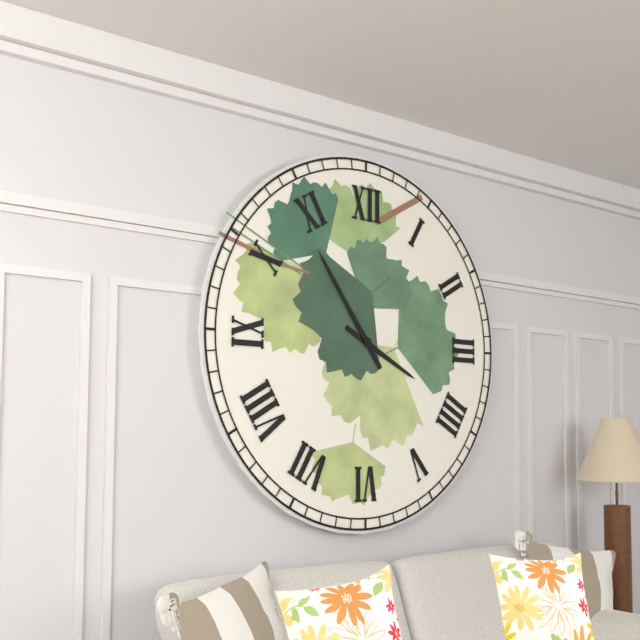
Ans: {"hour": 3, "minute": 54}
